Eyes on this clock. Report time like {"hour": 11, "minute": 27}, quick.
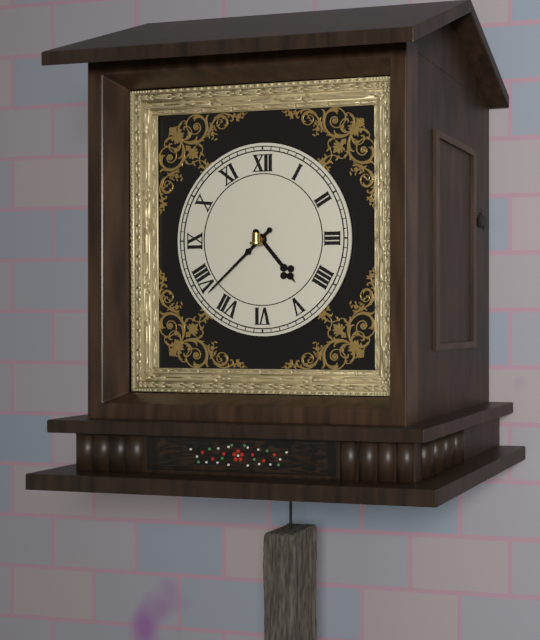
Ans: {"hour": 4, "minute": 38}
